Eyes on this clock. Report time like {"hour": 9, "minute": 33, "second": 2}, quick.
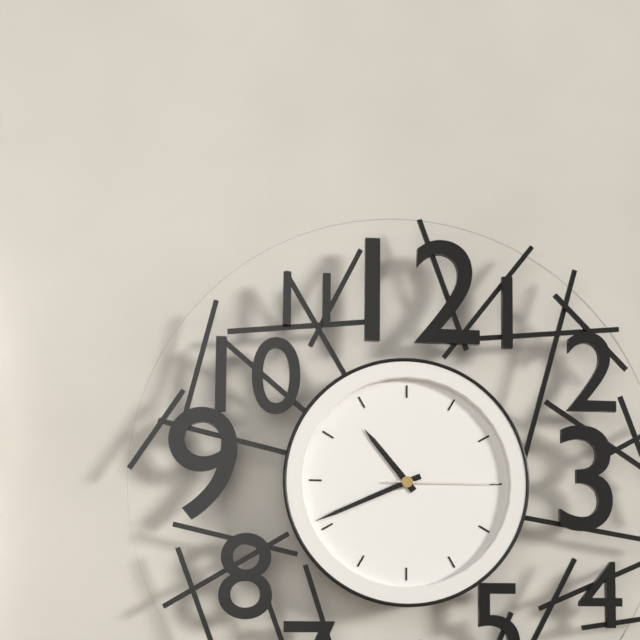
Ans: {"hour": 10, "minute": 41, "second": 15}
